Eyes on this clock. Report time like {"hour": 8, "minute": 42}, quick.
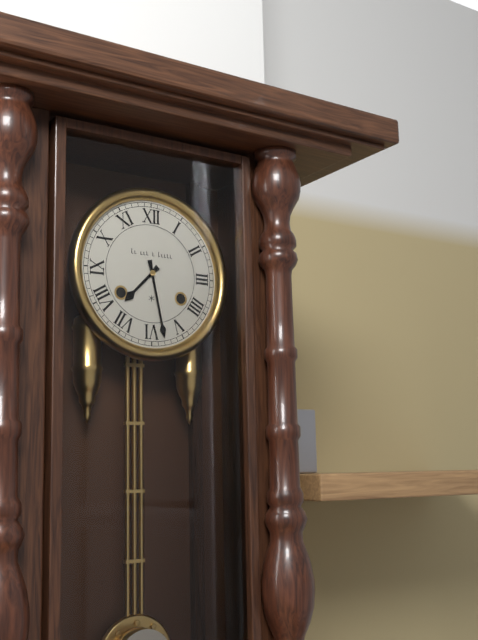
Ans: {"hour": 7, "minute": 28}
